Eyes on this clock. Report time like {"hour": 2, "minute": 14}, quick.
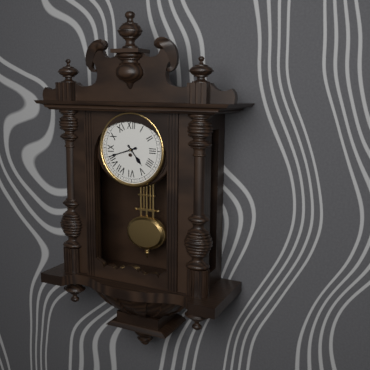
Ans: {"hour": 4, "minute": 42}
